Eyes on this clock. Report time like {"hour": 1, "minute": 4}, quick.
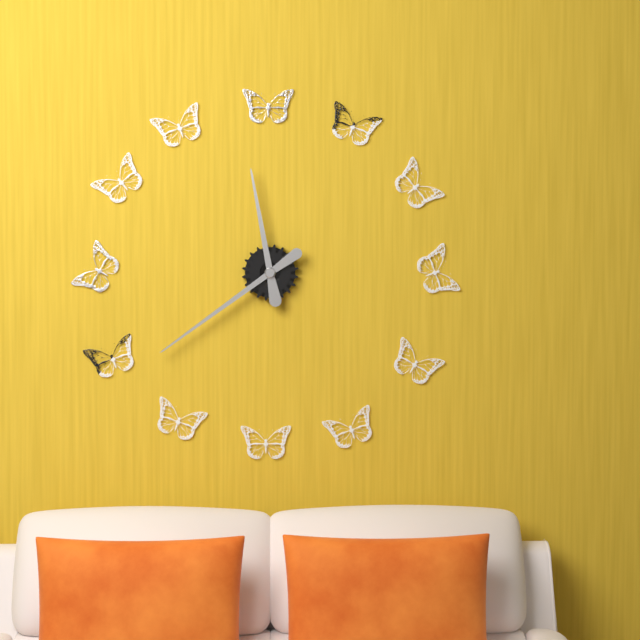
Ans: {"hour": 11, "minute": 39}
